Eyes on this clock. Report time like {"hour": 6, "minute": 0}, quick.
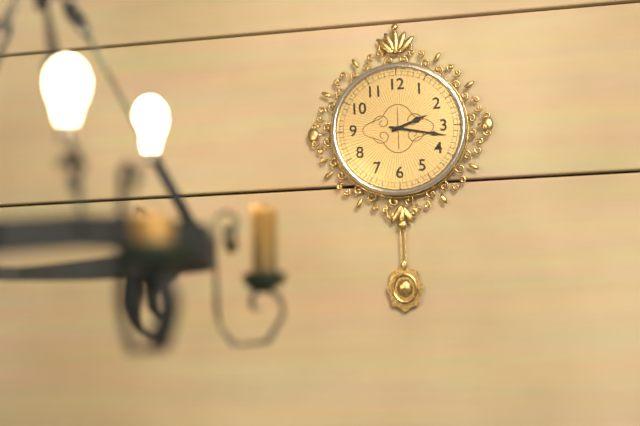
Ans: {"hour": 2, "minute": 17}
